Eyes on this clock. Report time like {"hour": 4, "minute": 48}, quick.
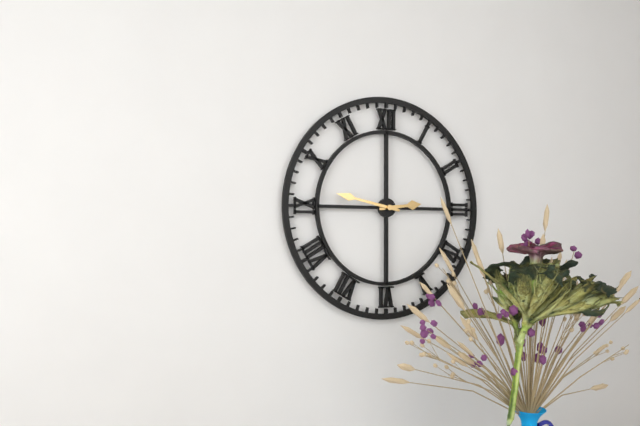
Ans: {"hour": 2, "minute": 47}
